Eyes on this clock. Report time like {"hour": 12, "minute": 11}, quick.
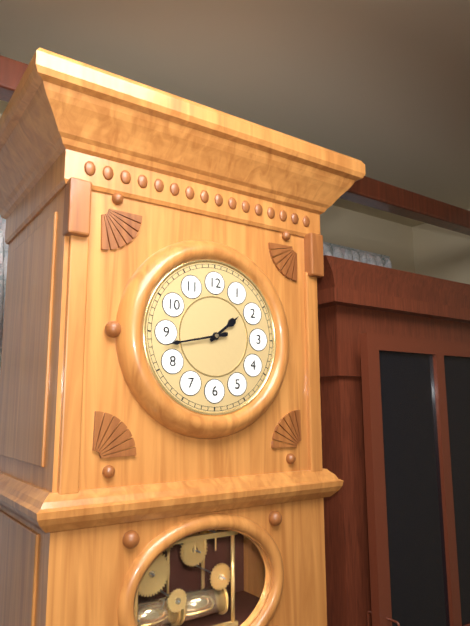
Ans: {"hour": 1, "minute": 43}
